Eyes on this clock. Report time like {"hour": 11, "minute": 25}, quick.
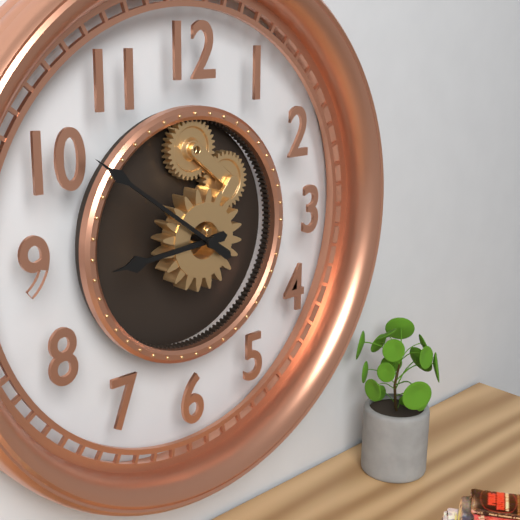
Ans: {"hour": 8, "minute": 51}
